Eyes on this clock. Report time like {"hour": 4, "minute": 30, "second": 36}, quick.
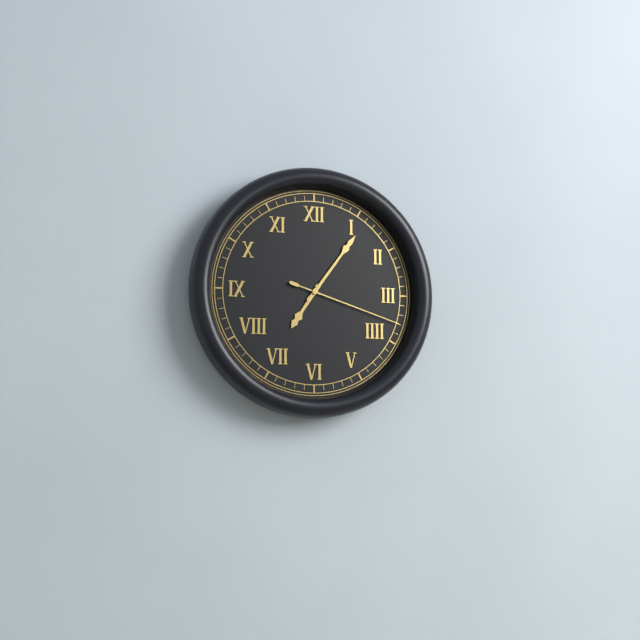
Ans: {"hour": 7, "minute": 6, "second": 18}
